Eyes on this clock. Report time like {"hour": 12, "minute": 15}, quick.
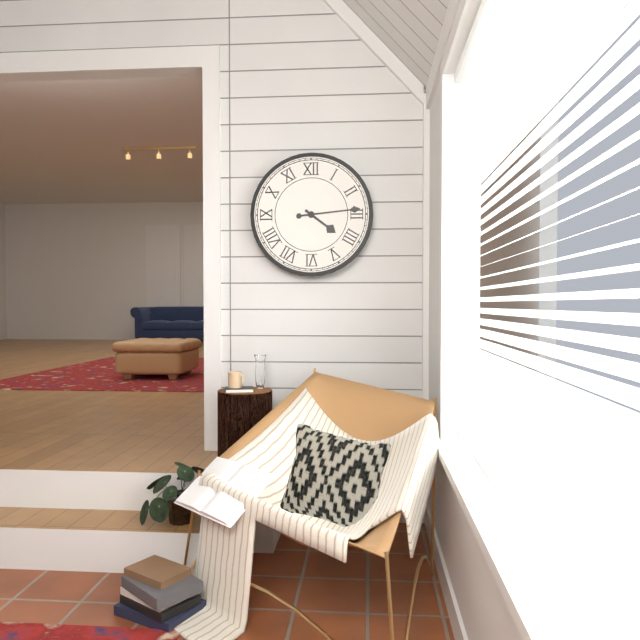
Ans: {"hour": 4, "minute": 14}
